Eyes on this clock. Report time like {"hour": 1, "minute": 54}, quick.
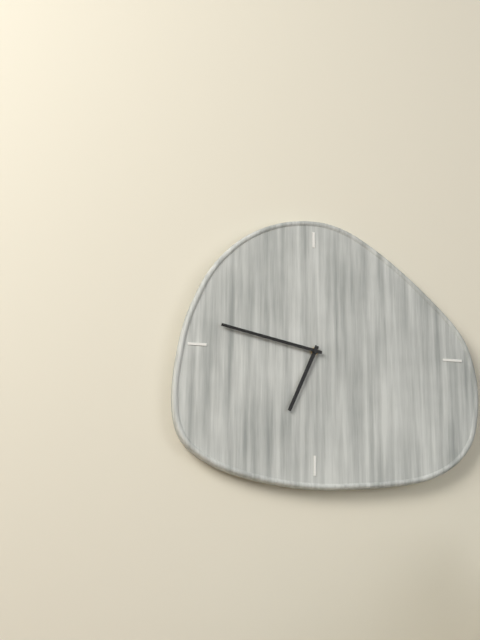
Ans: {"hour": 6, "minute": 47}
